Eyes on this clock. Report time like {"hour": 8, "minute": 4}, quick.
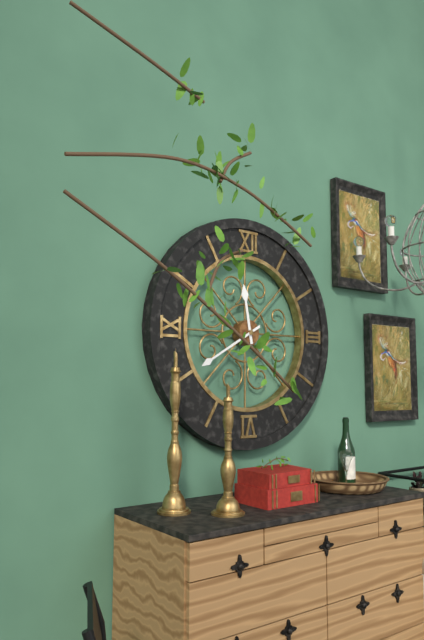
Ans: {"hour": 11, "minute": 40}
